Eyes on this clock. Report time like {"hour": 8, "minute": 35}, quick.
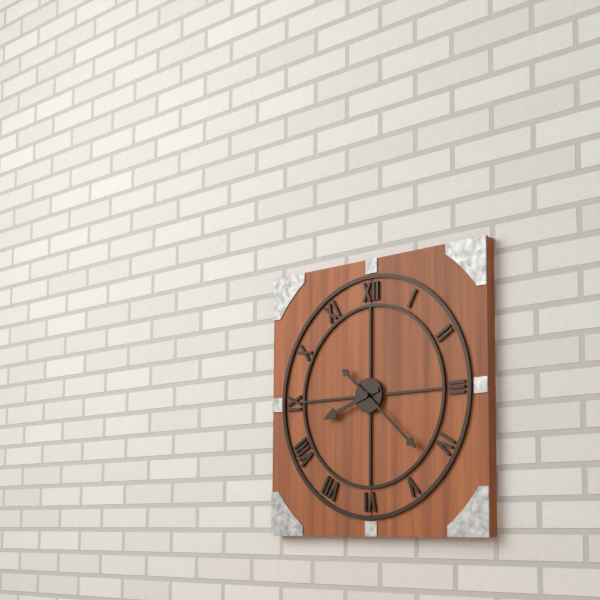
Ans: {"hour": 8, "minute": 22}
